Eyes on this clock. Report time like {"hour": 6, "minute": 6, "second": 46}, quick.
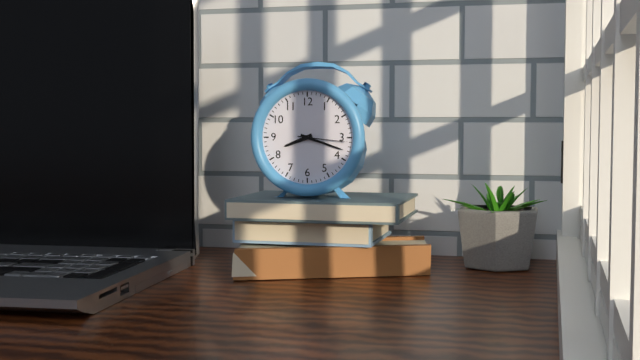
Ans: {"hour": 8, "minute": 18, "second": 16}
